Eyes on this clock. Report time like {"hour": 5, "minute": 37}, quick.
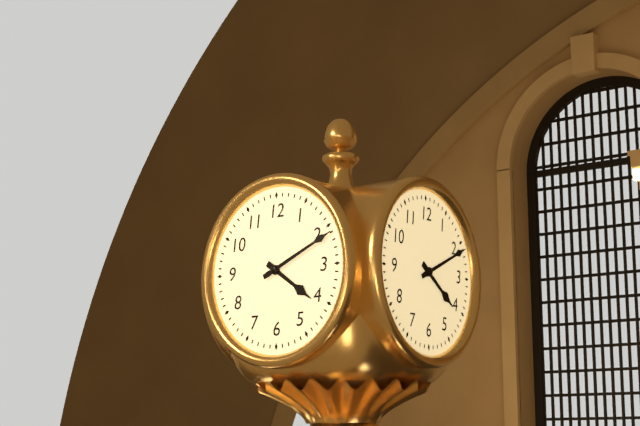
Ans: {"hour": 4, "minute": 11}
